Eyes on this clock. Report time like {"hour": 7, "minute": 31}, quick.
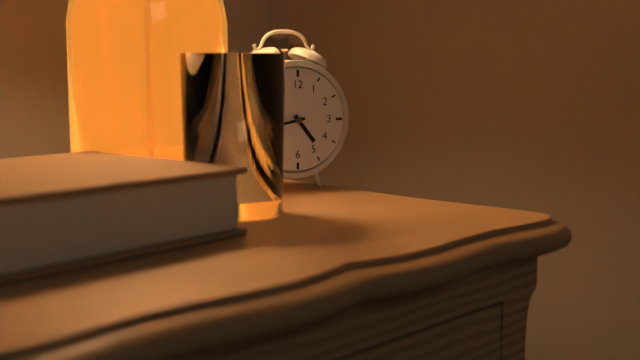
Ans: {"hour": 4, "minute": 43}
